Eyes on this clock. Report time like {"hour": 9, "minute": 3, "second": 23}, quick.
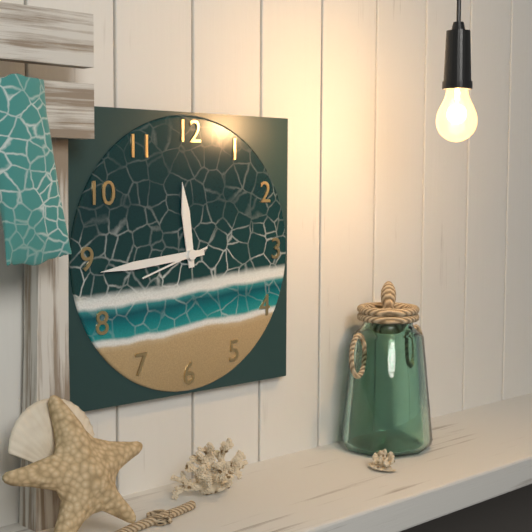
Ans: {"hour": 11, "minute": 44, "second": 42}
